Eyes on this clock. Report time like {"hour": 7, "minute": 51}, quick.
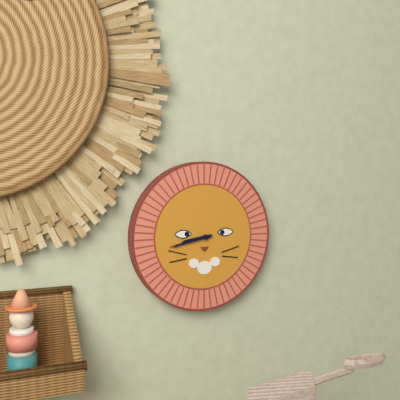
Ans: {"hour": 8, "minute": 43}
